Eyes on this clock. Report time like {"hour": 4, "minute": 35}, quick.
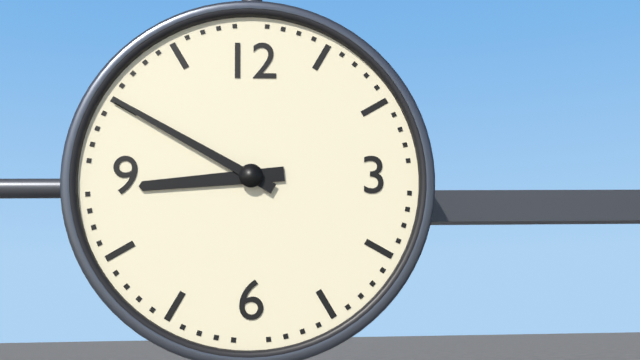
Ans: {"hour": 8, "minute": 50}
